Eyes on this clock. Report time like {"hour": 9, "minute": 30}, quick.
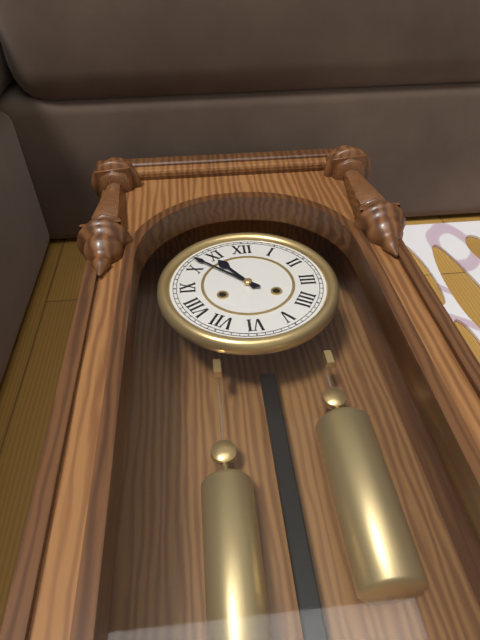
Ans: {"hour": 10, "minute": 52}
